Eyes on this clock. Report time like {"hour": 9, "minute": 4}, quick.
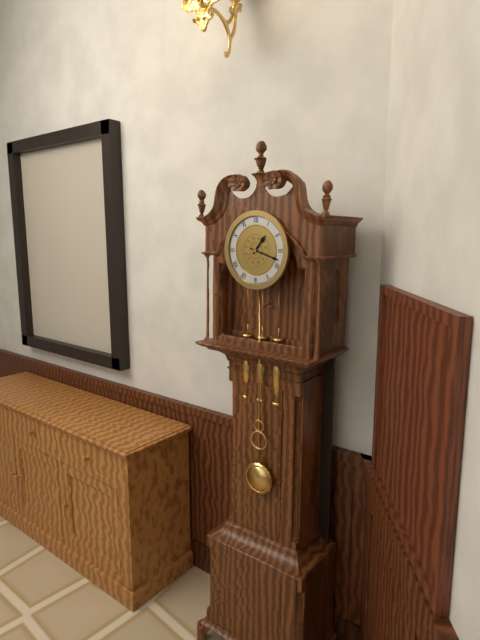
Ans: {"hour": 1, "minute": 18}
